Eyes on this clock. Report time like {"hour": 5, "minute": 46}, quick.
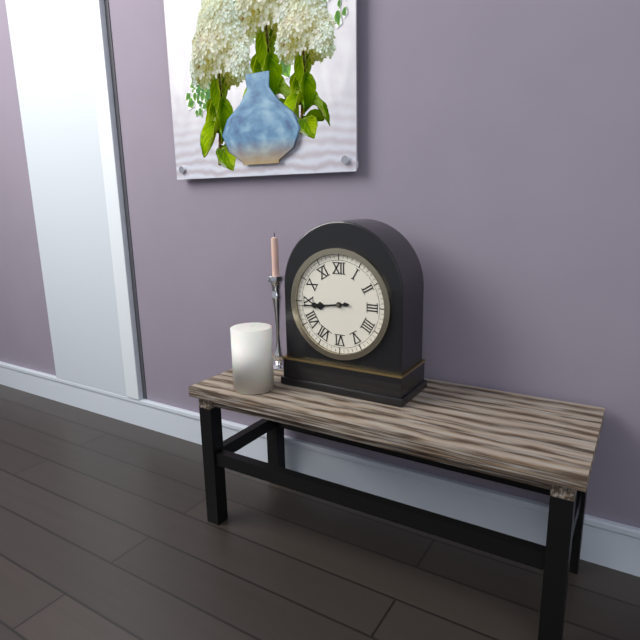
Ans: {"hour": 8, "minute": 44}
